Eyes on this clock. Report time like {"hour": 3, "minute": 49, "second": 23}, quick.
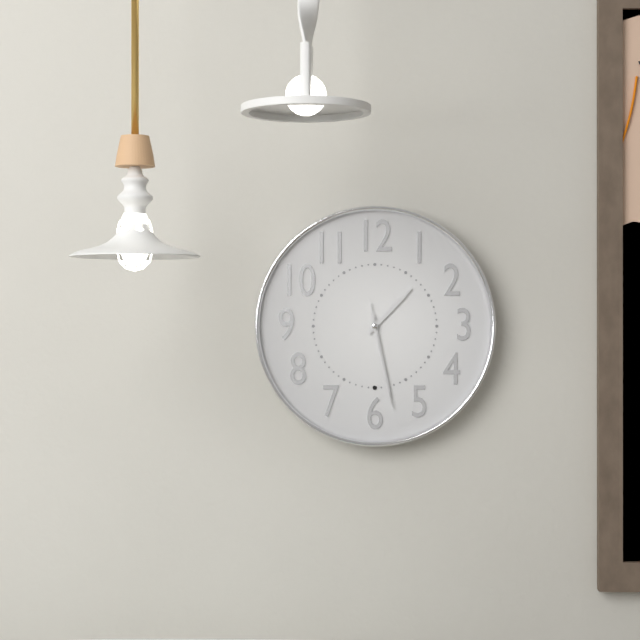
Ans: {"hour": 1, "minute": 28, "second": 28}
